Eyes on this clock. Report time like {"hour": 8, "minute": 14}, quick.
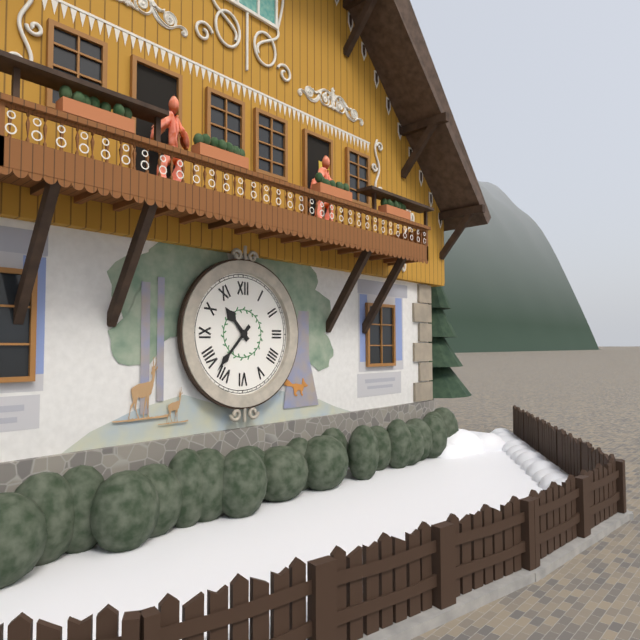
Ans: {"hour": 10, "minute": 37}
